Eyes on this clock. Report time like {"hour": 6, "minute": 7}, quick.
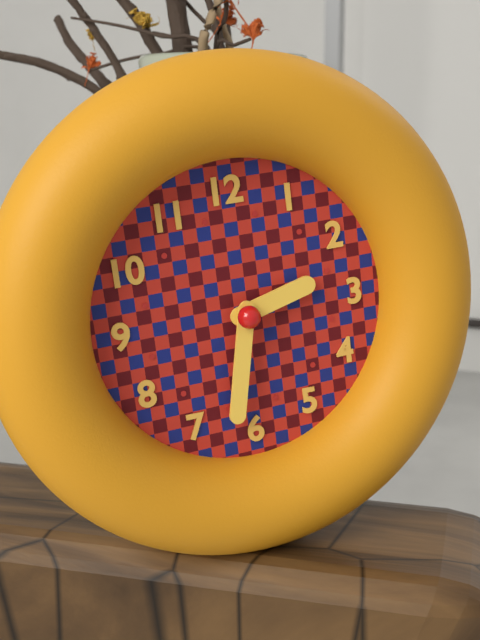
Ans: {"hour": 2, "minute": 32}
